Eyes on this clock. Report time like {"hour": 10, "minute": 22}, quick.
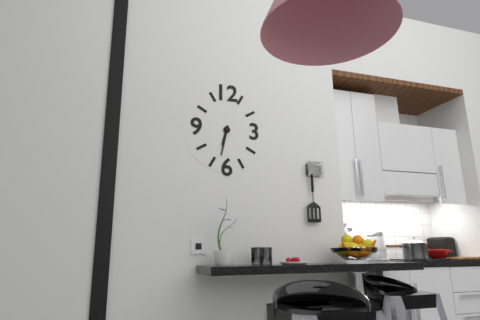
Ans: {"hour": 6, "minute": 32}
